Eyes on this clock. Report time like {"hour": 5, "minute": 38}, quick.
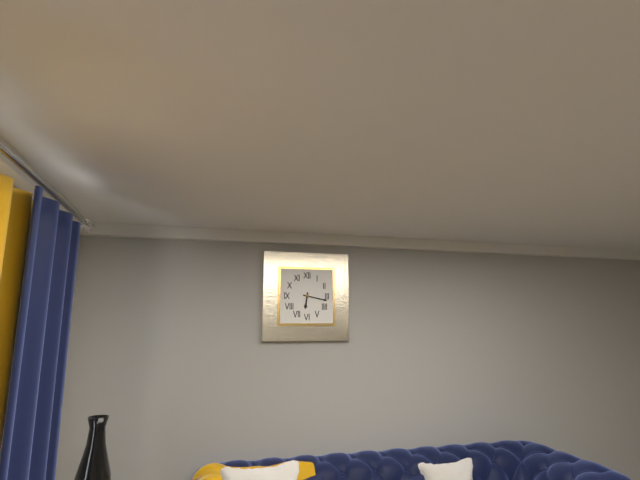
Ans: {"hour": 6, "minute": 17}
